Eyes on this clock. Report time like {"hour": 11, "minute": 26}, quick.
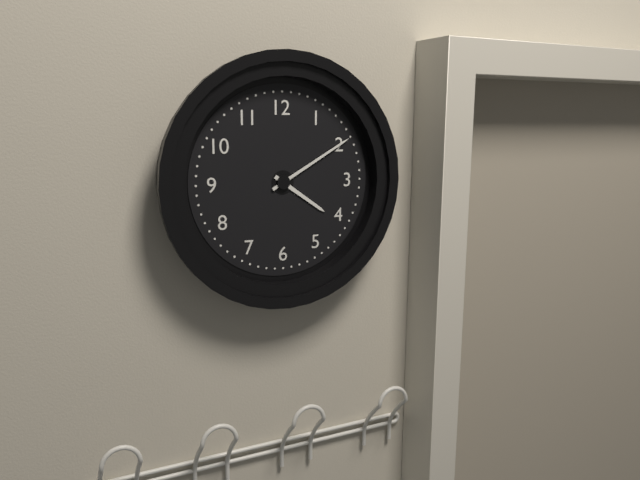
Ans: {"hour": 4, "minute": 10}
